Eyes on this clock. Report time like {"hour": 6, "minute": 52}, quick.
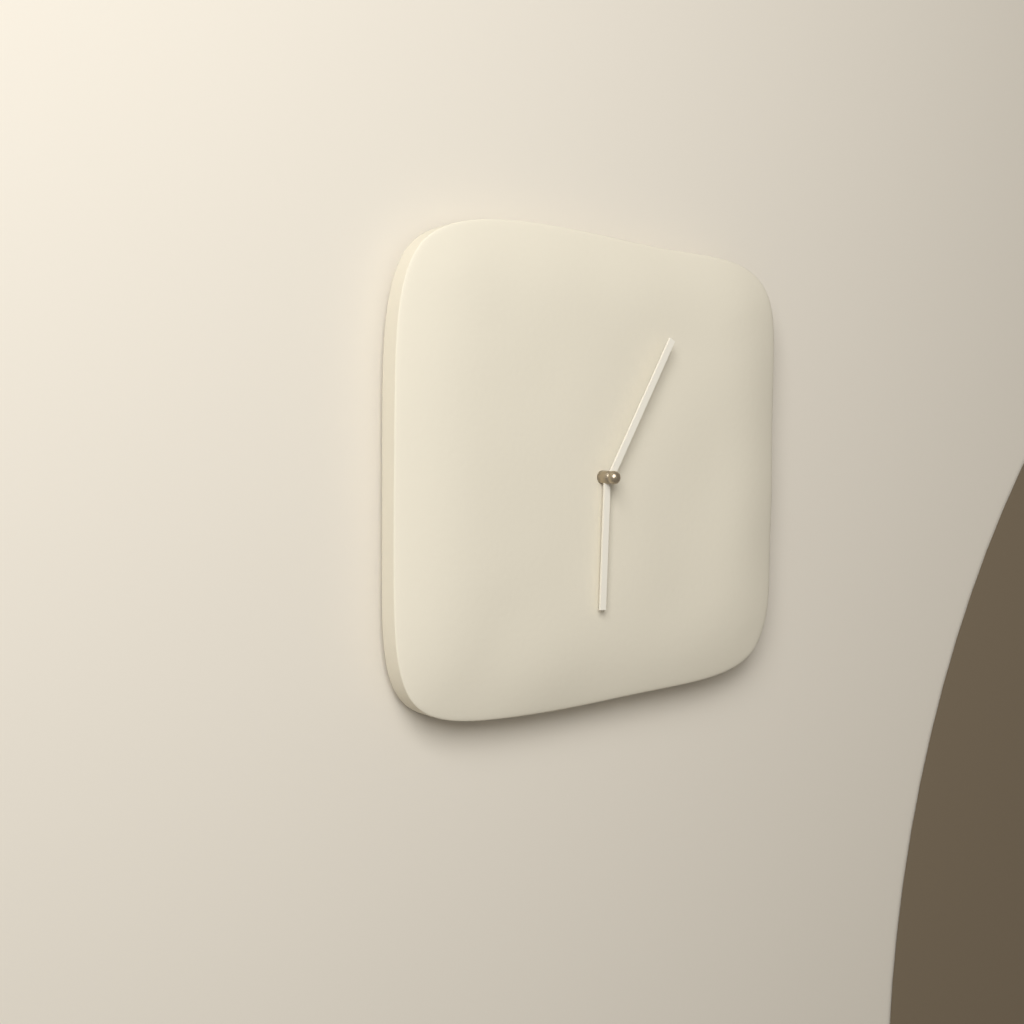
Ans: {"hour": 6, "minute": 5}
